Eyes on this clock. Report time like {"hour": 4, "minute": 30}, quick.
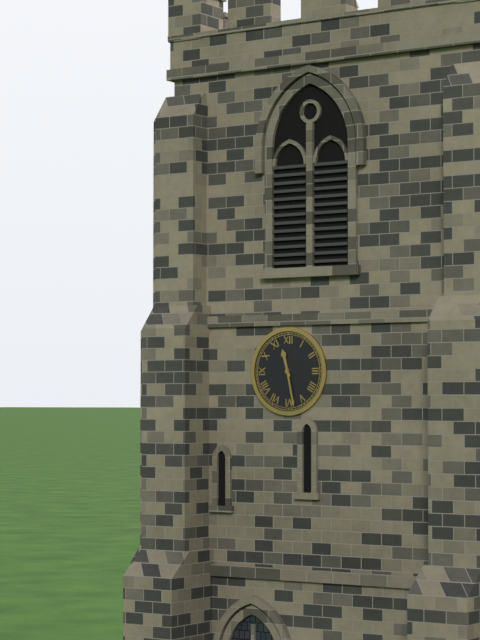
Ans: {"hour": 11, "minute": 28}
